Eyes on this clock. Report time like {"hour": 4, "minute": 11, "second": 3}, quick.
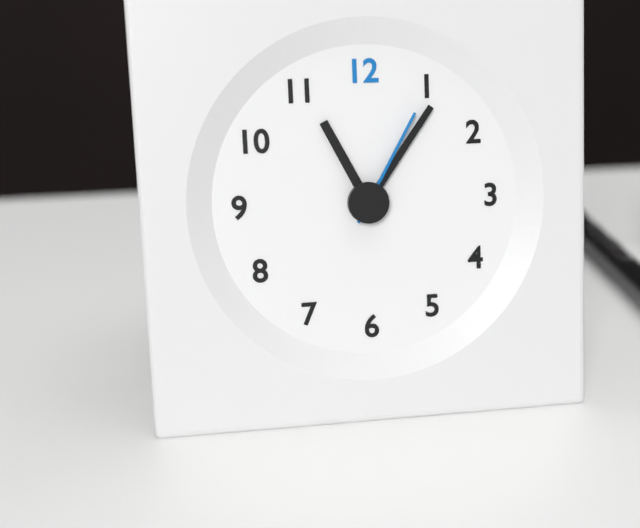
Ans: {"hour": 11, "minute": 6, "second": 5}
